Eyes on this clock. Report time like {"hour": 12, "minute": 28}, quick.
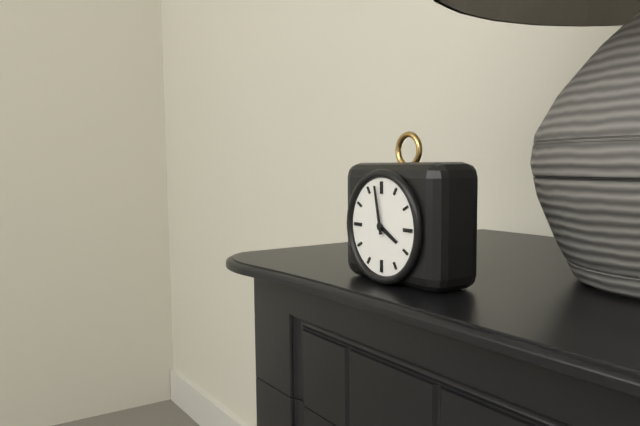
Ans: {"hour": 3, "minute": 58}
